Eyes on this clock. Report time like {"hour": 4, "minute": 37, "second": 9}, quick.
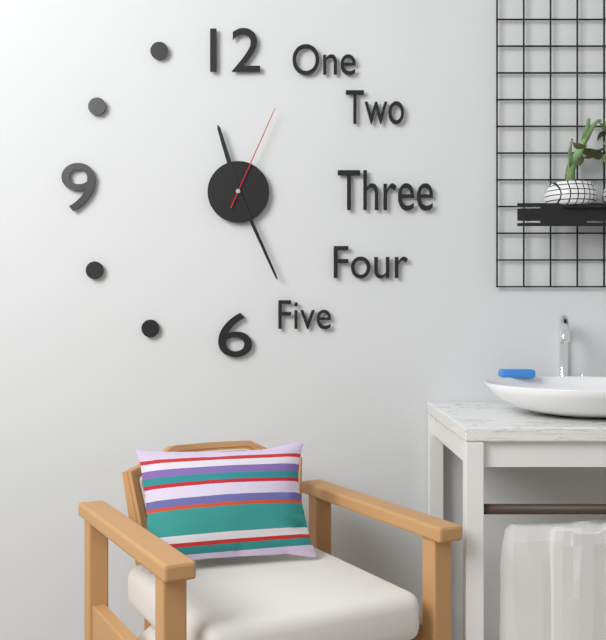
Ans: {"hour": 11, "minute": 26, "second": 4}
